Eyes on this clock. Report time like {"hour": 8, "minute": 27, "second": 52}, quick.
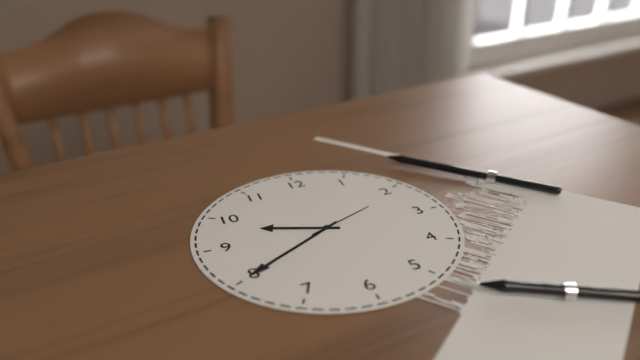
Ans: {"hour": 9, "minute": 40, "second": 11}
